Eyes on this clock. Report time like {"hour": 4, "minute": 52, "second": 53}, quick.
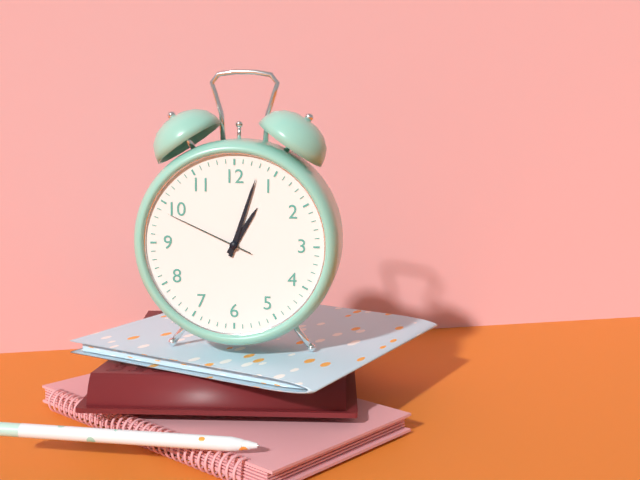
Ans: {"hour": 1, "minute": 3, "second": 49}
